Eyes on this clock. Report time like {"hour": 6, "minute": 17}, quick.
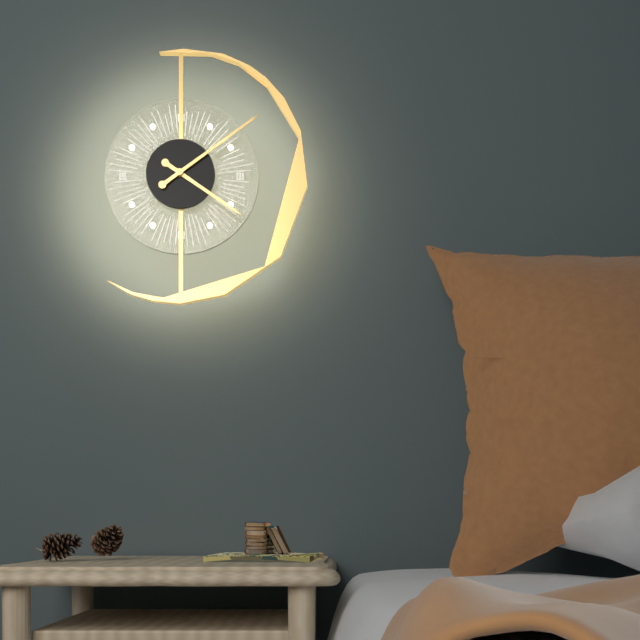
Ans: {"hour": 4, "minute": 9}
